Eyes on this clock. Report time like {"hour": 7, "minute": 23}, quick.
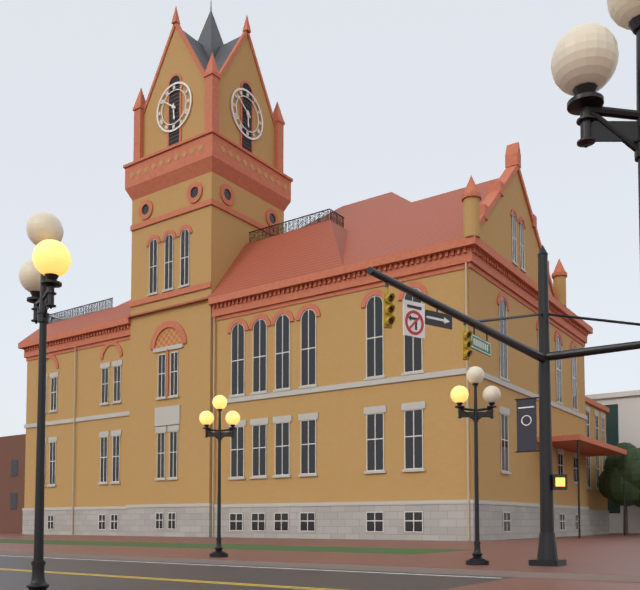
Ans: {"hour": 5, "minute": 51}
